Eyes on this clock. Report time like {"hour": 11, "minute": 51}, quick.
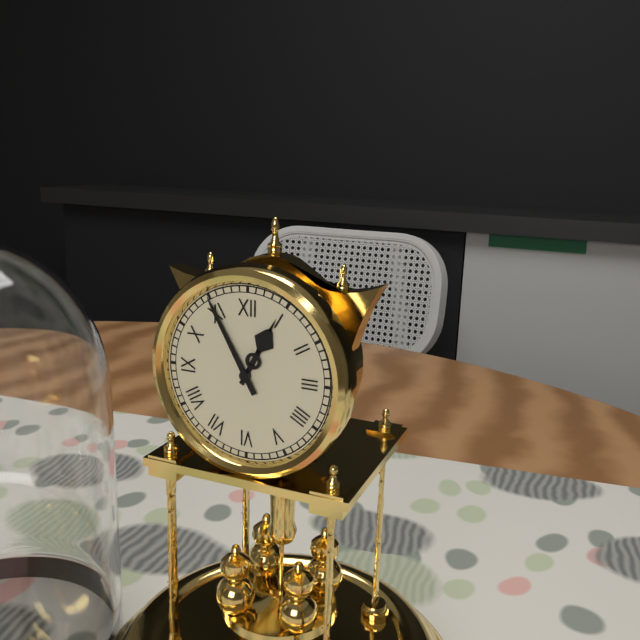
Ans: {"hour": 12, "minute": 55}
